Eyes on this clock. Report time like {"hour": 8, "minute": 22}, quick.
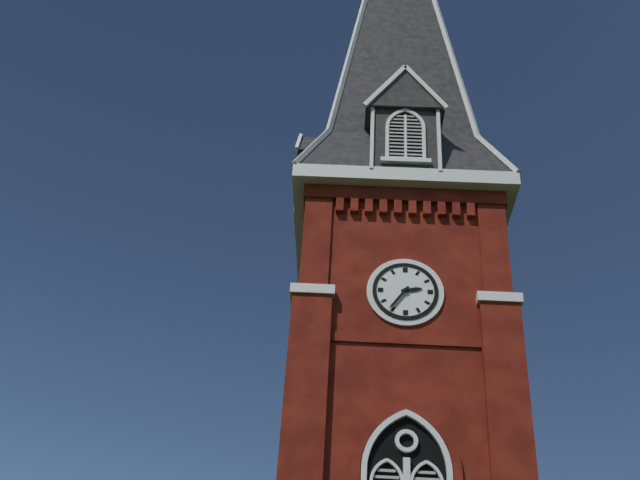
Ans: {"hour": 2, "minute": 36}
